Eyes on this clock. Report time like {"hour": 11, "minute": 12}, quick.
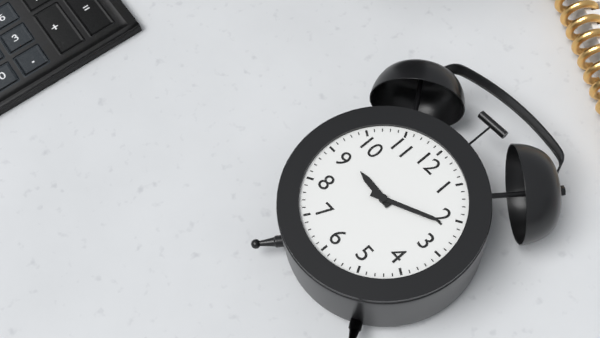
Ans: {"hour": 9, "minute": 11}
